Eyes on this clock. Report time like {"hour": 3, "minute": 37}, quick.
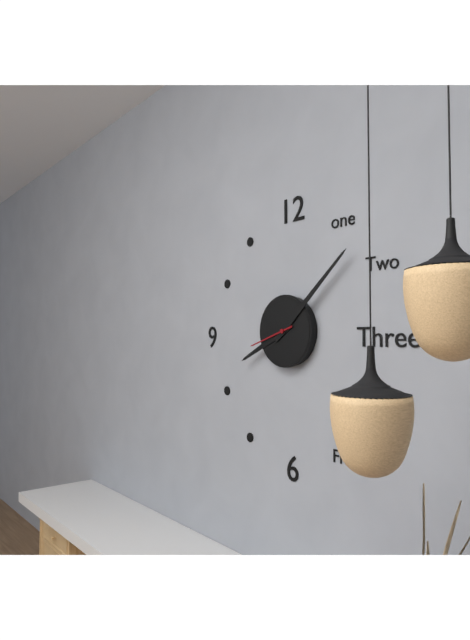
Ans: {"hour": 8, "minute": 8}
